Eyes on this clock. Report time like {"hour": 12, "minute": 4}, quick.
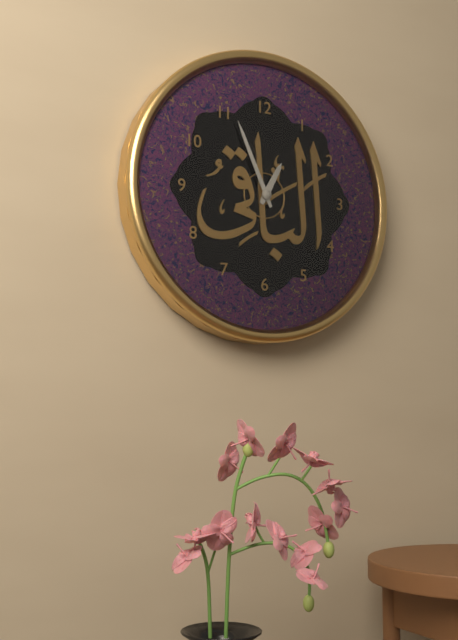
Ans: {"hour": 12, "minute": 56}
